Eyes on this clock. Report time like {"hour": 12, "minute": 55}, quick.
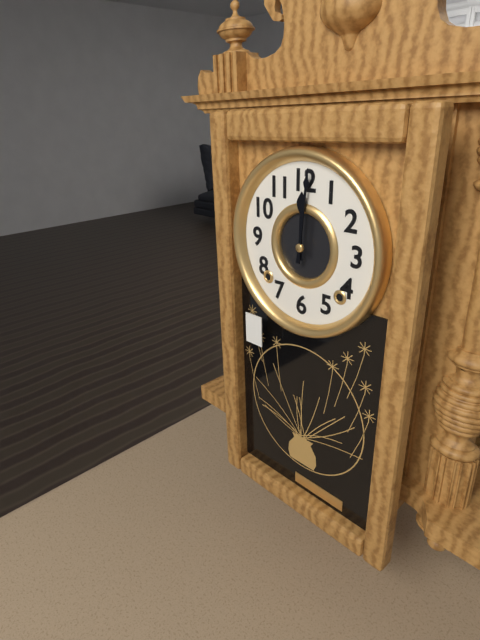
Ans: {"hour": 12, "minute": 1}
